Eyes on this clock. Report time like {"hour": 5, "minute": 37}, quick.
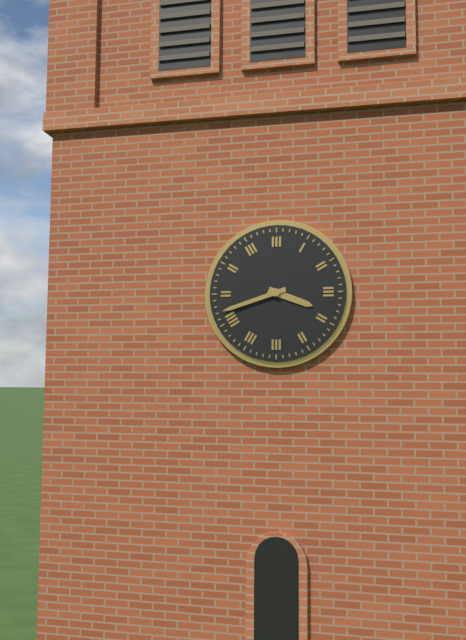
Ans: {"hour": 3, "minute": 42}
